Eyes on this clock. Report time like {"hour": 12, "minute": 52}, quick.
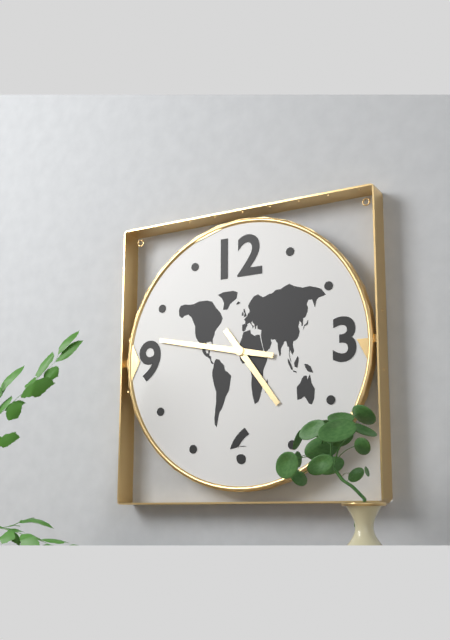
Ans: {"hour": 4, "minute": 47}
